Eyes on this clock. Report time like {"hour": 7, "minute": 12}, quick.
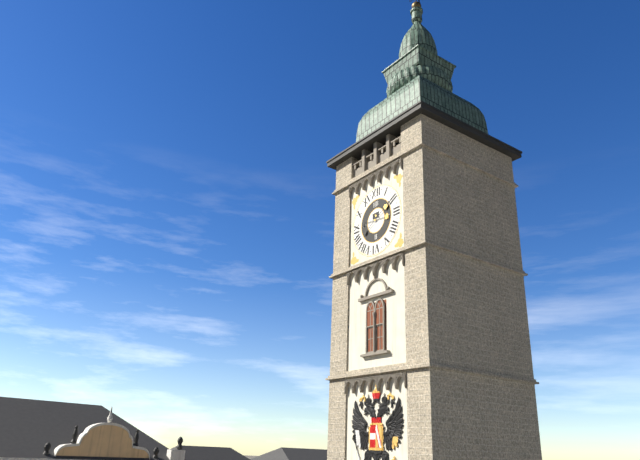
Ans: {"hour": 3, "minute": 10}
